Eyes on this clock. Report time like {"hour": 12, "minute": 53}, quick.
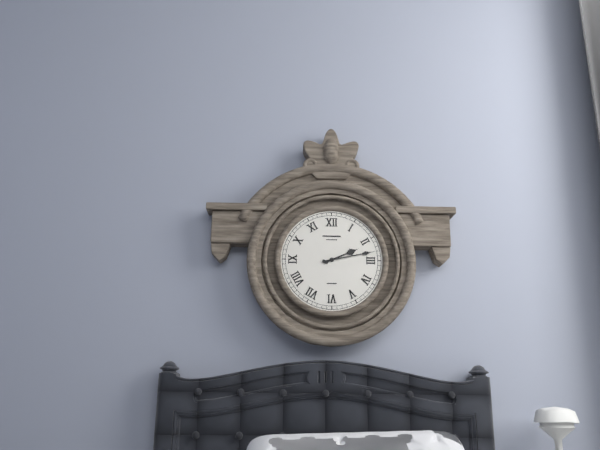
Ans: {"hour": 2, "minute": 13}
